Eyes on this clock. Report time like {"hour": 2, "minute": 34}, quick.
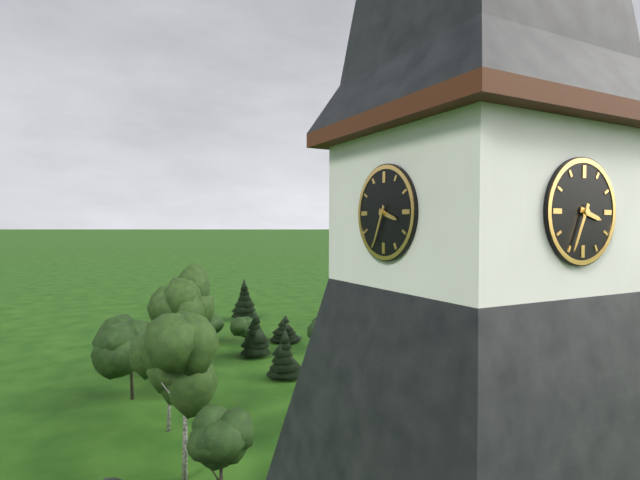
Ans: {"hour": 3, "minute": 34}
